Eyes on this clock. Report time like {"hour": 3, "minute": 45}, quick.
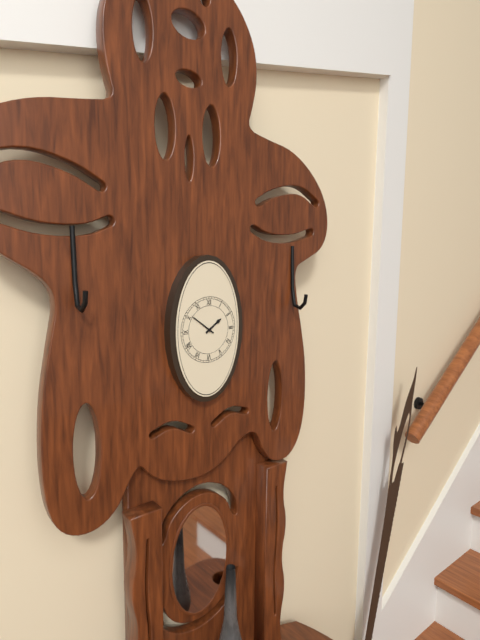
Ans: {"hour": 1, "minute": 51}
